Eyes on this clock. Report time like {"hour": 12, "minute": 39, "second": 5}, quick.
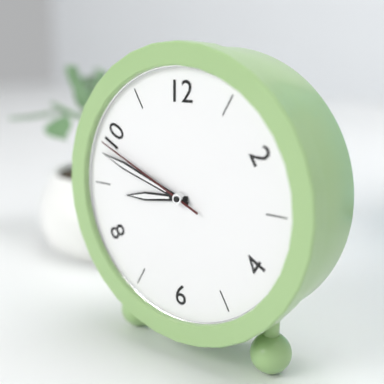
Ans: {"hour": 8, "minute": 48, "second": 49}
